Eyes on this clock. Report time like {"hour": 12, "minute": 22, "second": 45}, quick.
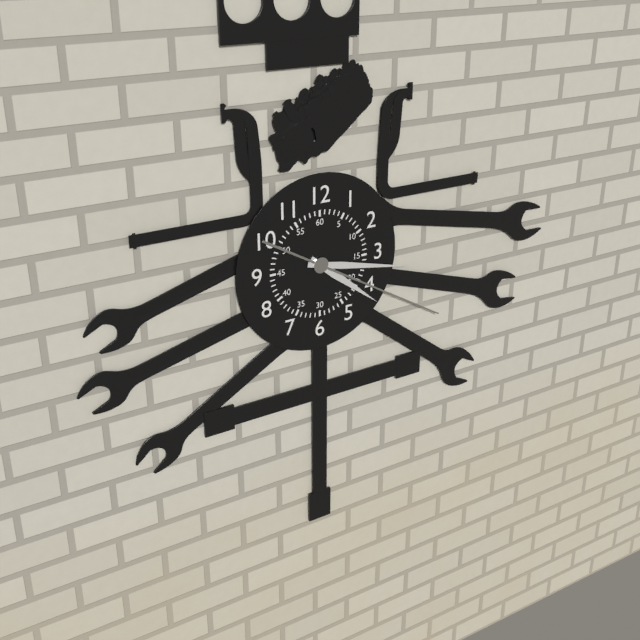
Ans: {"hour": 4, "minute": 17, "second": 20}
